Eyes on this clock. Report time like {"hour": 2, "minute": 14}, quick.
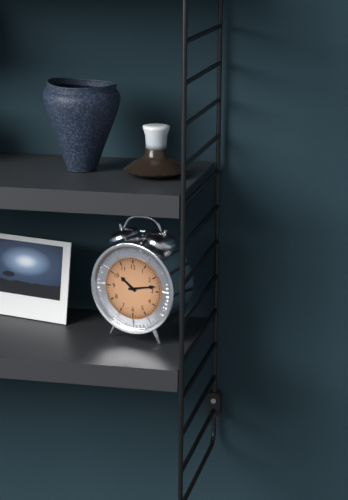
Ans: {"hour": 10, "minute": 13}
